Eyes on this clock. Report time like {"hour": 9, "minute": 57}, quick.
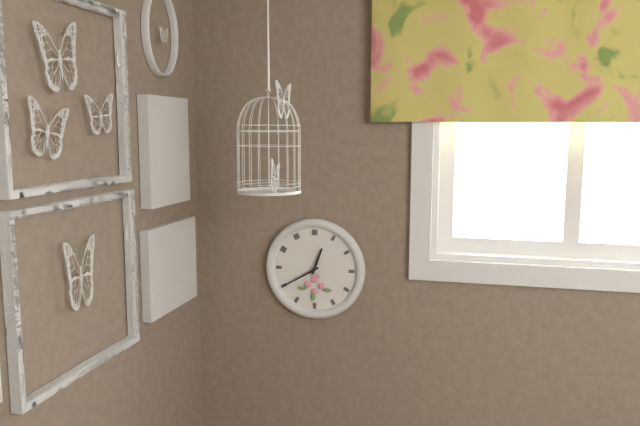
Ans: {"hour": 12, "minute": 40}
